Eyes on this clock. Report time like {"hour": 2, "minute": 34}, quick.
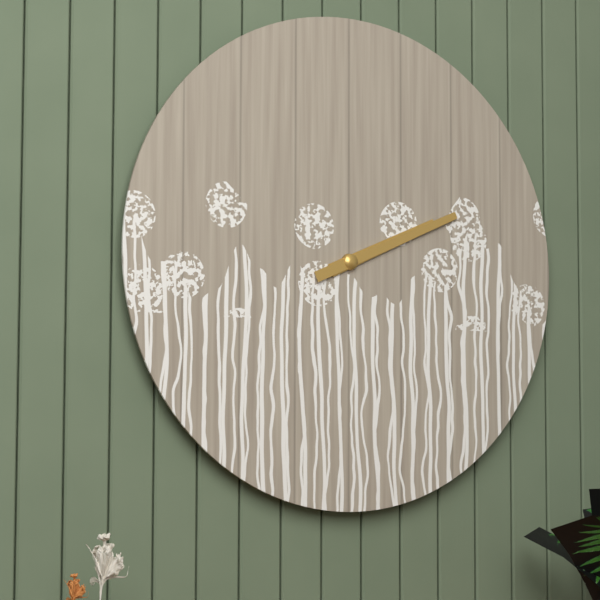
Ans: {"hour": 2, "minute": 11}
